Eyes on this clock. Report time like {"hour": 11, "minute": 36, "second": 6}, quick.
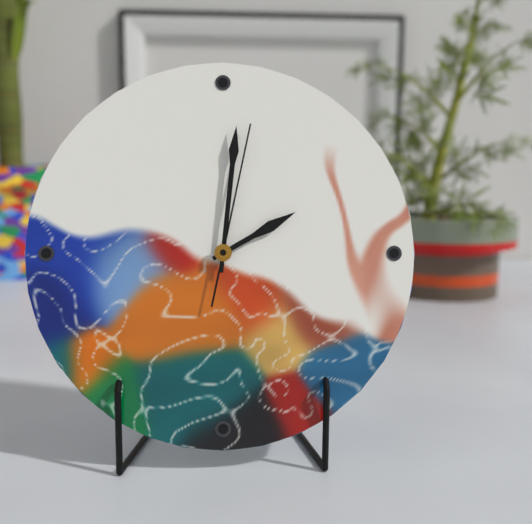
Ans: {"hour": 2, "minute": 1, "second": 2}
